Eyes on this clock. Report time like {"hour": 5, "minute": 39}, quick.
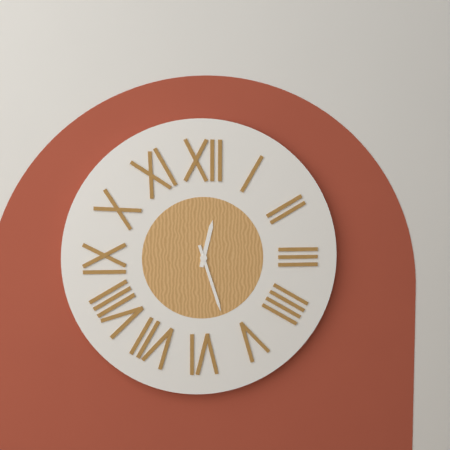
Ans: {"hour": 12, "minute": 27}
